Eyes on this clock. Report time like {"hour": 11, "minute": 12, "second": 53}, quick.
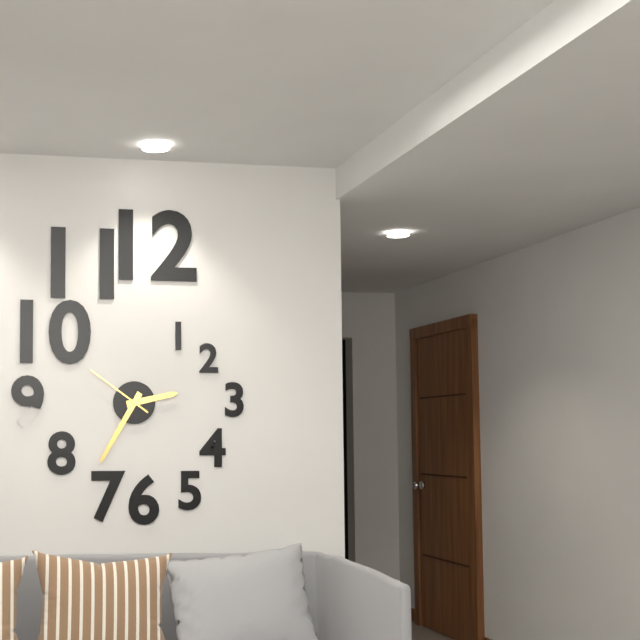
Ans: {"hour": 2, "minute": 35, "second": 51}
